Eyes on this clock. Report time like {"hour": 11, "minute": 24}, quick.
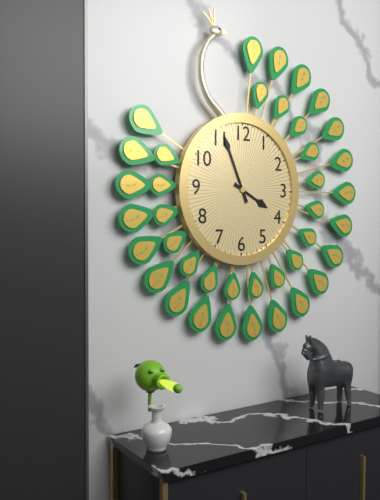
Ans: {"hour": 3, "minute": 56}
